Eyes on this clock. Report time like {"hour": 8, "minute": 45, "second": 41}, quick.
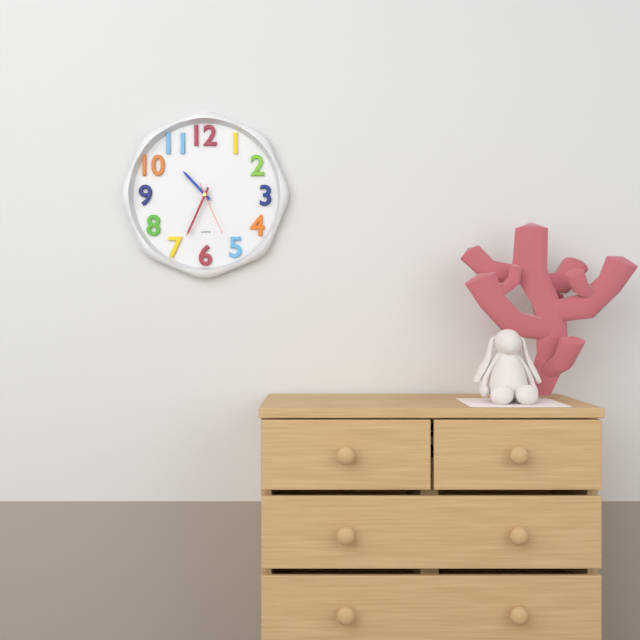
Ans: {"hour": 10, "minute": 34, "second": 26}
